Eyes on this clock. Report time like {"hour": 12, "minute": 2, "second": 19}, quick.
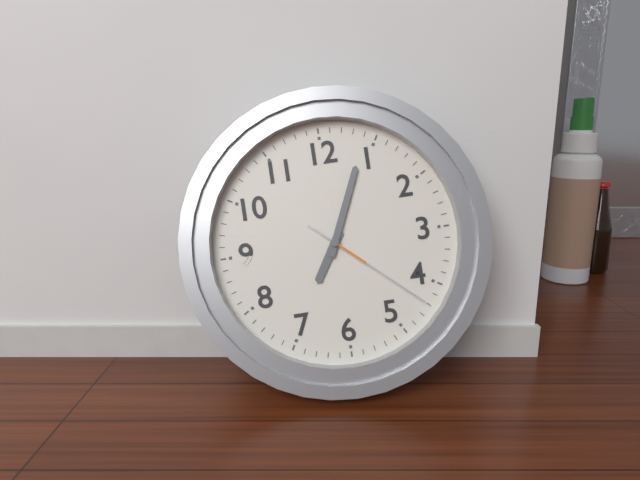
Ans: {"hour": 7, "minute": 4, "second": 22}
